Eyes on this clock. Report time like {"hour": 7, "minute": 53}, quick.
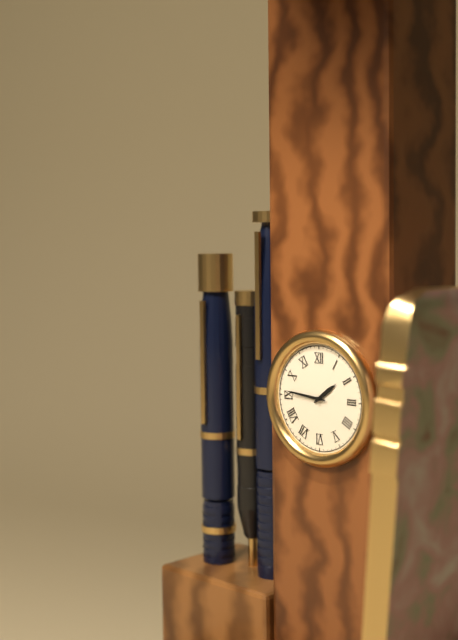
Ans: {"hour": 1, "minute": 46}
